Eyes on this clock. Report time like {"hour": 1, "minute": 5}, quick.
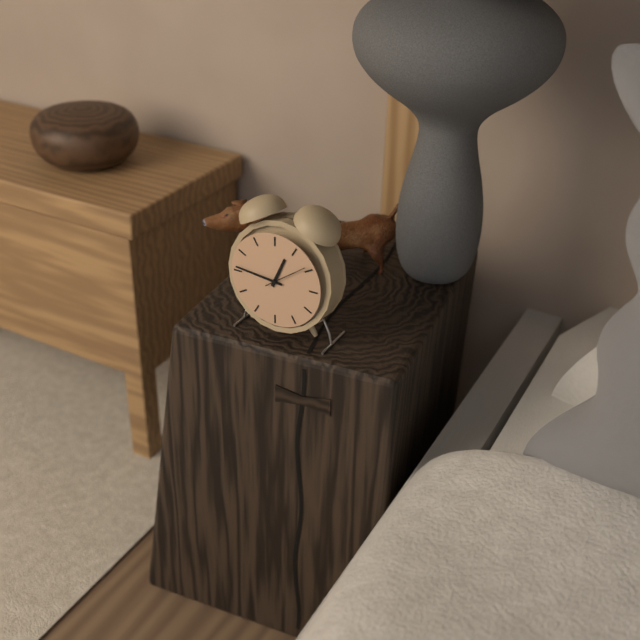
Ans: {"hour": 12, "minute": 46}
